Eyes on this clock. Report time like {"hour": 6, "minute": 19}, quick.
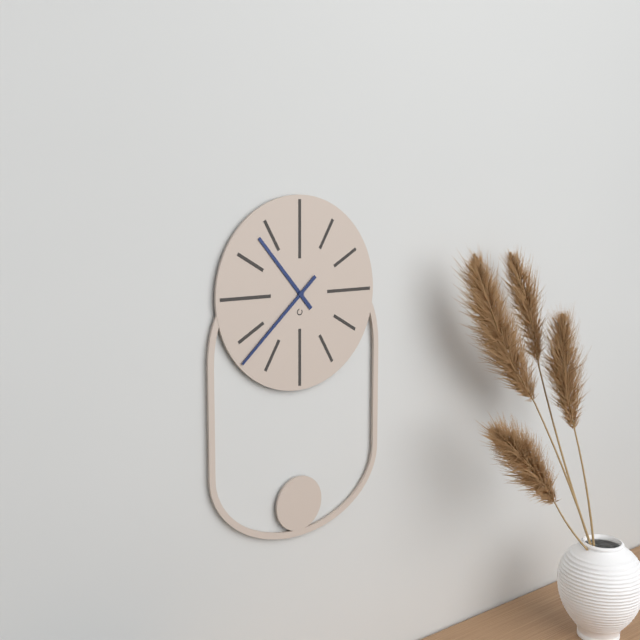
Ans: {"hour": 10, "minute": 38}
